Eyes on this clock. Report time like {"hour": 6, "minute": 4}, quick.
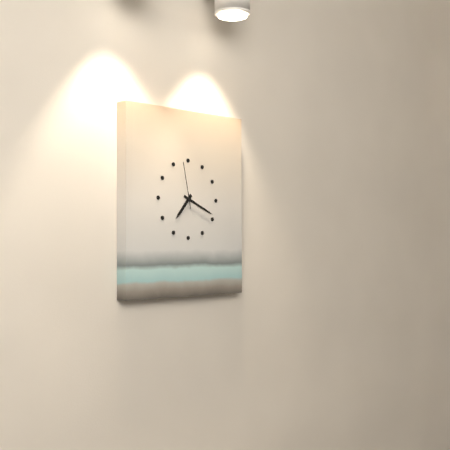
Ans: {"hour": 7, "minute": 19}
